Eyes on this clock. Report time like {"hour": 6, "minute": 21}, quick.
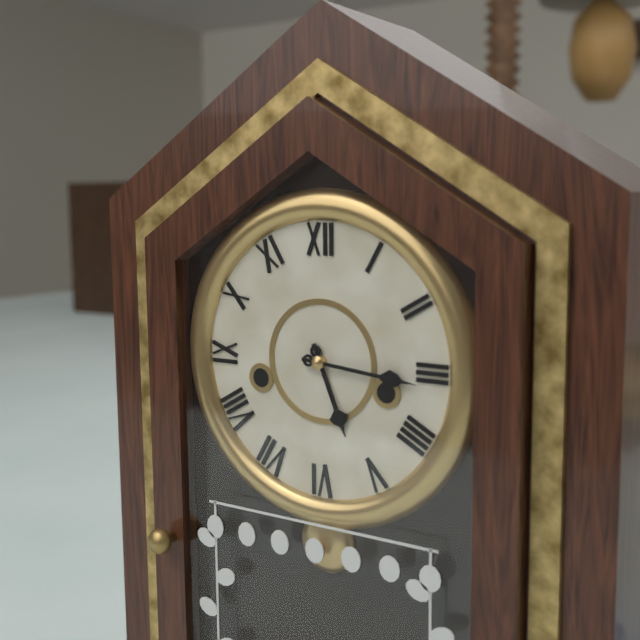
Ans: {"hour": 5, "minute": 16}
